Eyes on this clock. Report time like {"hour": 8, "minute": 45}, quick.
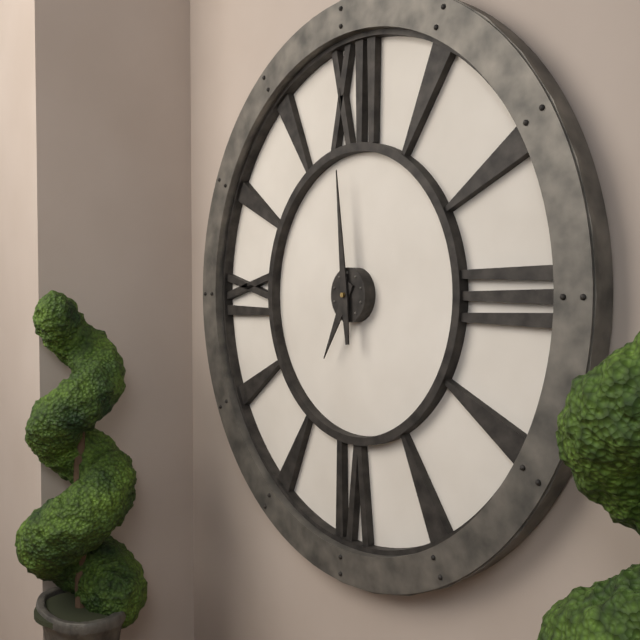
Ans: {"hour": 6, "minute": 59}
